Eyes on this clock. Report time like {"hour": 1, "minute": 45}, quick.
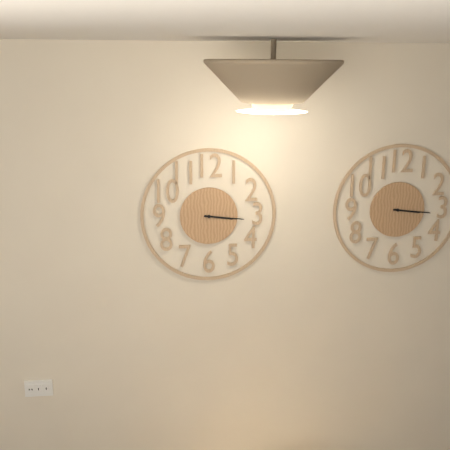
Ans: {"hour": 3, "minute": 16}
